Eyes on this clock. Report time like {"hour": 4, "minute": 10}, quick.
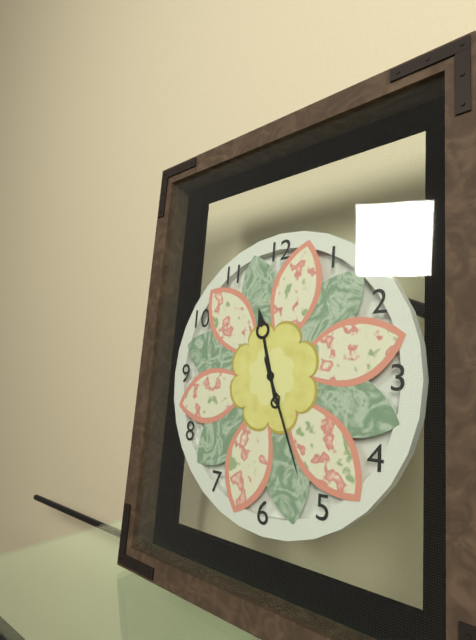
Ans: {"hour": 11, "minute": 26}
